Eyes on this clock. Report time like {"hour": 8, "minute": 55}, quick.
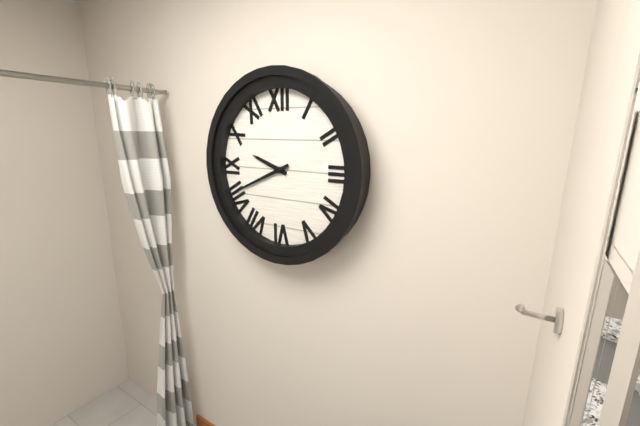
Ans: {"hour": 9, "minute": 41}
